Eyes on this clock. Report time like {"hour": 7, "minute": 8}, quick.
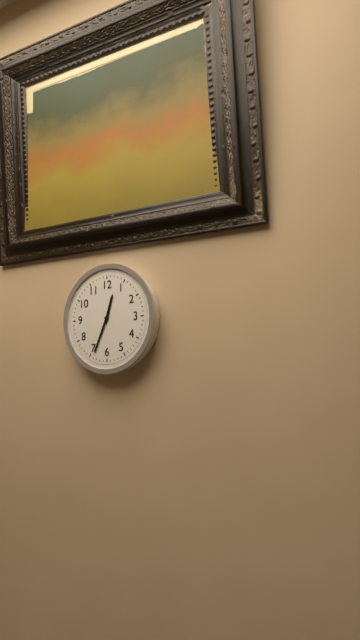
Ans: {"hour": 12, "minute": 34}
